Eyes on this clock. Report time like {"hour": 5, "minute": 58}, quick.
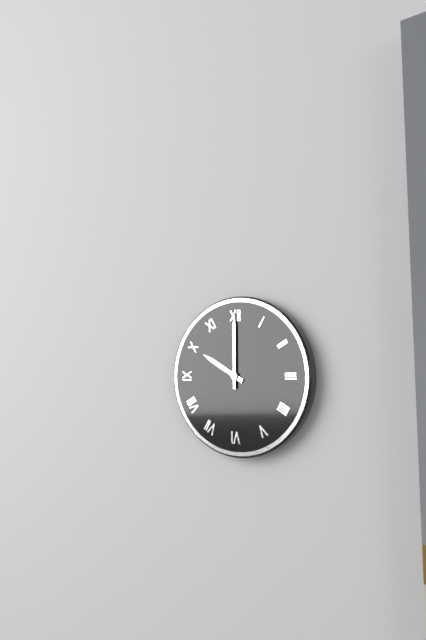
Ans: {"hour": 10, "minute": 0}
